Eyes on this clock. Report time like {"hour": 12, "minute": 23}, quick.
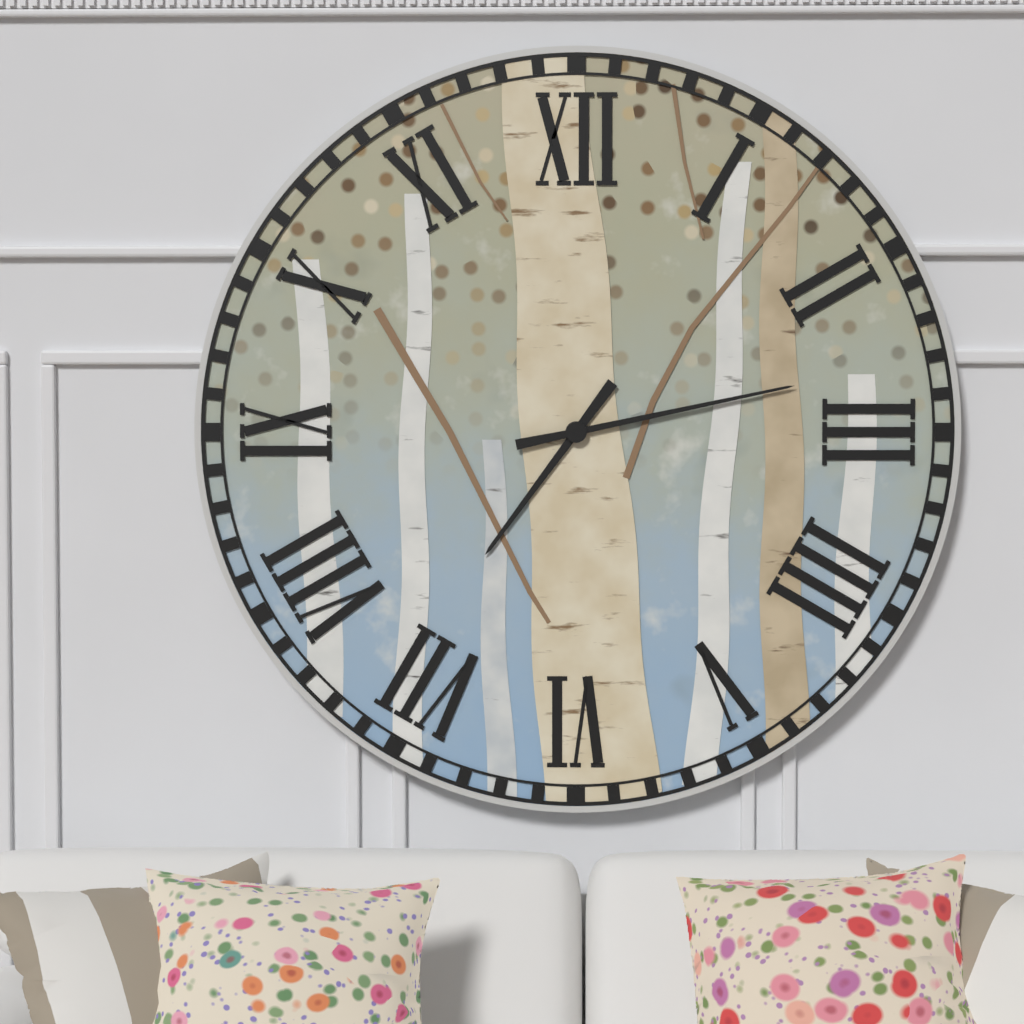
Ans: {"hour": 7, "minute": 13}
